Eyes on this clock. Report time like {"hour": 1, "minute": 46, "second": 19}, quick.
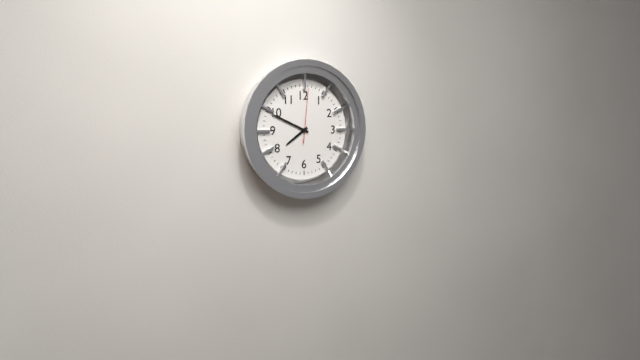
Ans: {"hour": 7, "minute": 49, "second": 1}
